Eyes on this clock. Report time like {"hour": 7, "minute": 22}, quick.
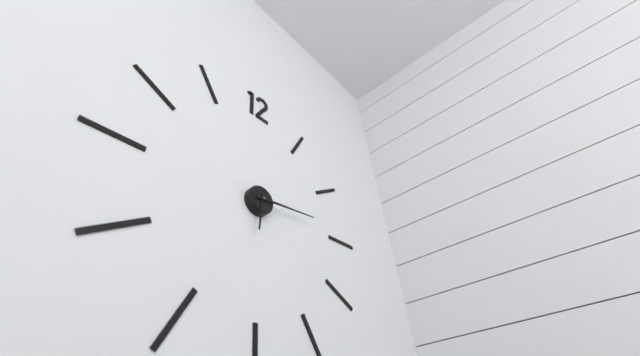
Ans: {"hour": 6, "minute": 14}
